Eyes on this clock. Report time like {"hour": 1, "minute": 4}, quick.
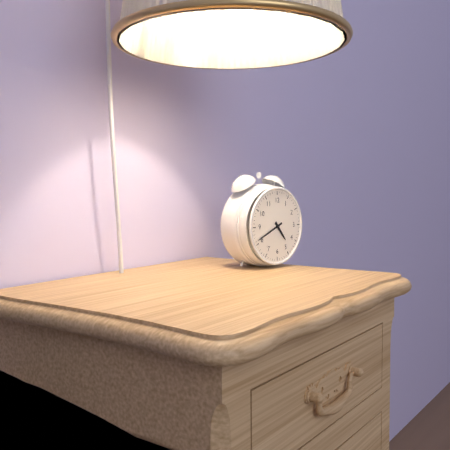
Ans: {"hour": 4, "minute": 41}
